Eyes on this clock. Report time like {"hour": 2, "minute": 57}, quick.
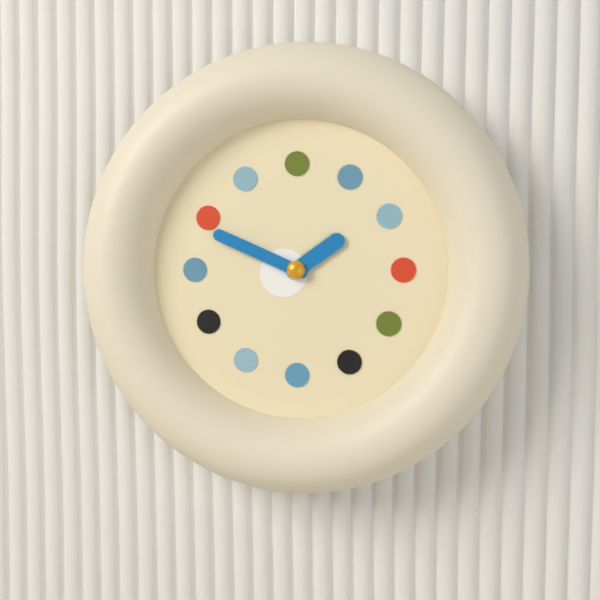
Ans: {"hour": 1, "minute": 49}
